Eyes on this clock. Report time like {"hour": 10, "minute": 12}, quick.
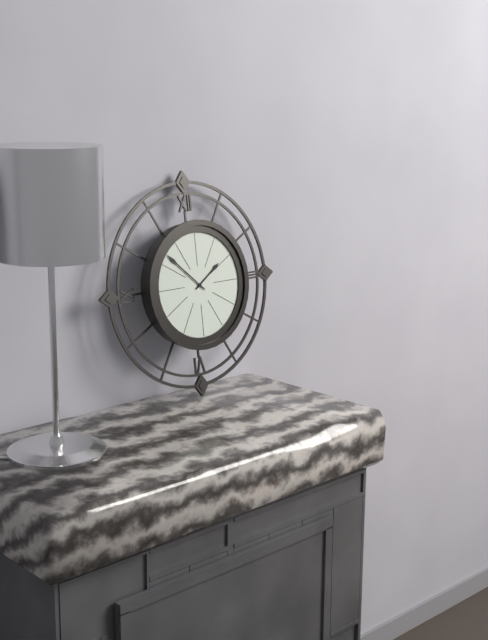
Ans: {"hour": 1, "minute": 52}
